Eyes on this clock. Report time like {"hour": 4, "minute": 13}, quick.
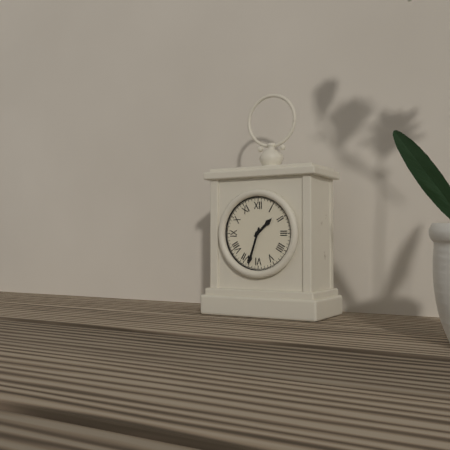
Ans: {"hour": 1, "minute": 33}
